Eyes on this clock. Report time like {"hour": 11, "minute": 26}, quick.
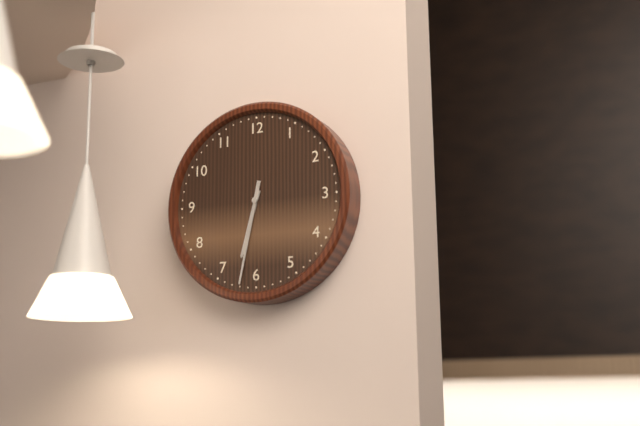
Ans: {"hour": 6, "minute": 32}
